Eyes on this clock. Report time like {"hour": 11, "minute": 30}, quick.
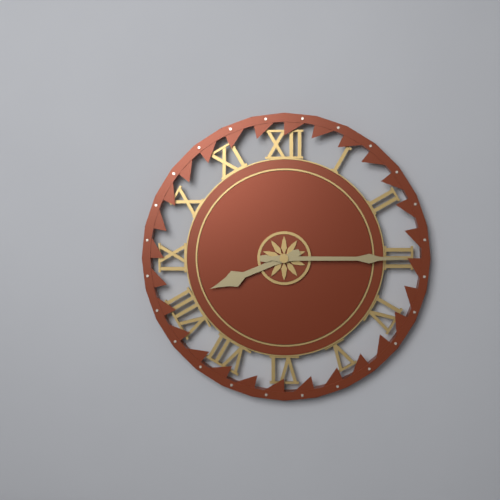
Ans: {"hour": 8, "minute": 15}
